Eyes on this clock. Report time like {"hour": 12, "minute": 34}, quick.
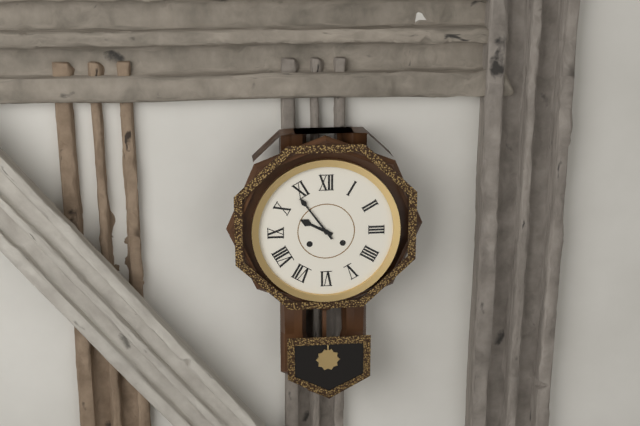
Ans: {"hour": 9, "minute": 54}
